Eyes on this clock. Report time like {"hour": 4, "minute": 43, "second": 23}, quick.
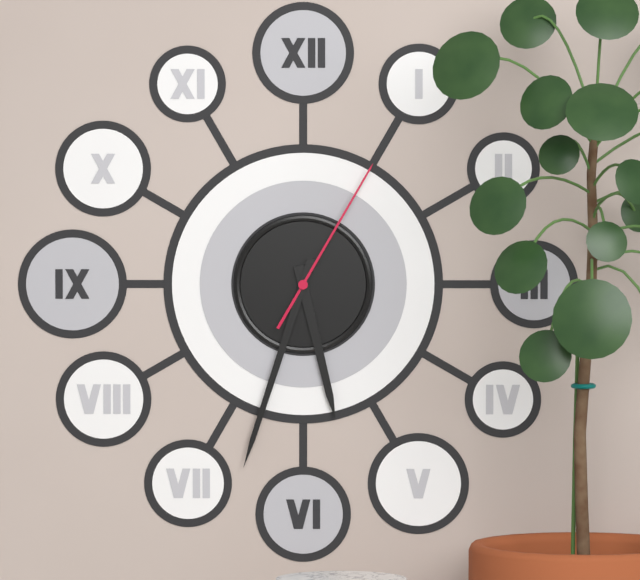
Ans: {"hour": 5, "minute": 33, "second": 5}
